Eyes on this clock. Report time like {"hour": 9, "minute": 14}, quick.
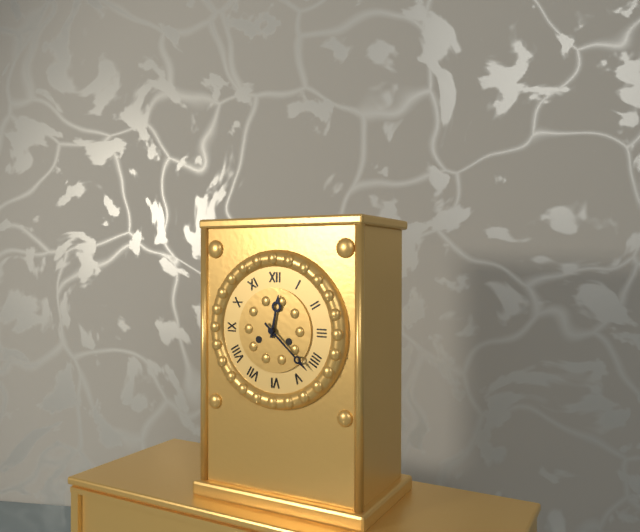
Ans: {"hour": 12, "minute": 22}
